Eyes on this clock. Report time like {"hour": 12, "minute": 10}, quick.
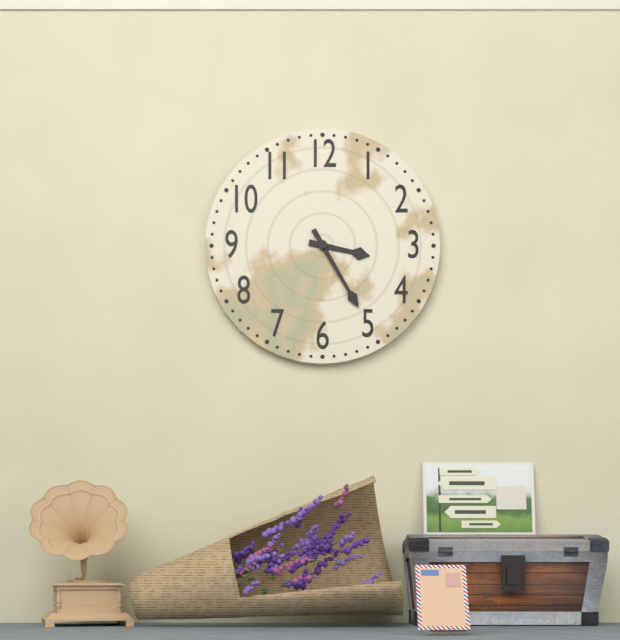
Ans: {"hour": 3, "minute": 25}
